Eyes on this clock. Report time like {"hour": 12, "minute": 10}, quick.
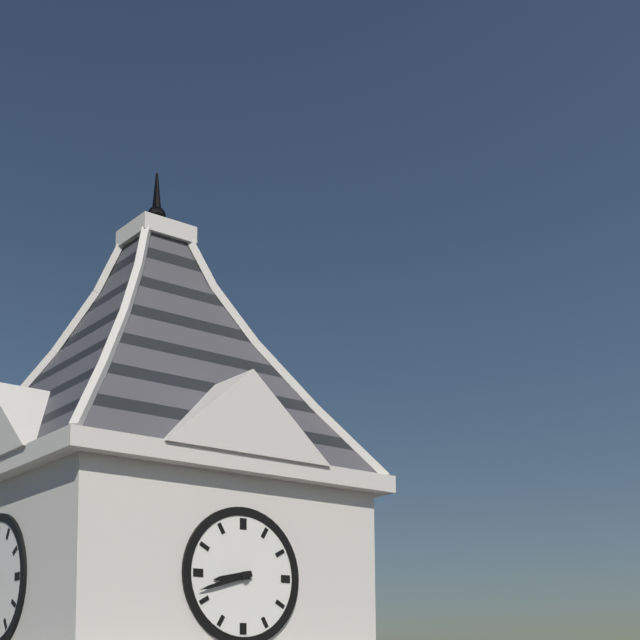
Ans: {"hour": 8, "minute": 42}
